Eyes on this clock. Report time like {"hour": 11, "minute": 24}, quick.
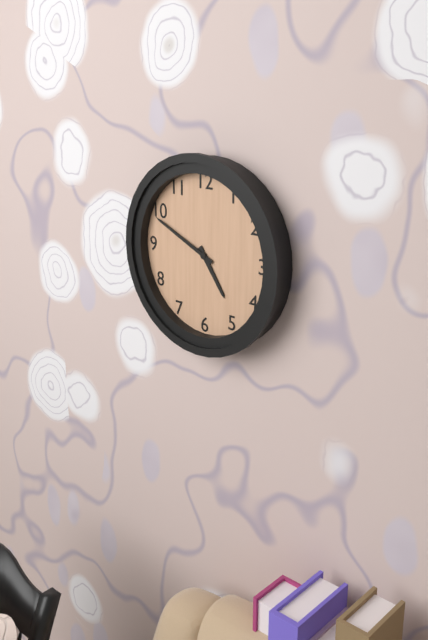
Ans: {"hour": 4, "minute": 49}
